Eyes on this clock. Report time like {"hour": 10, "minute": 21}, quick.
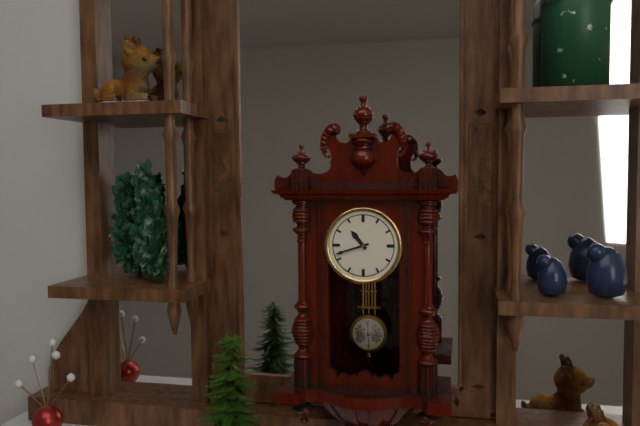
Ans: {"hour": 10, "minute": 42}
